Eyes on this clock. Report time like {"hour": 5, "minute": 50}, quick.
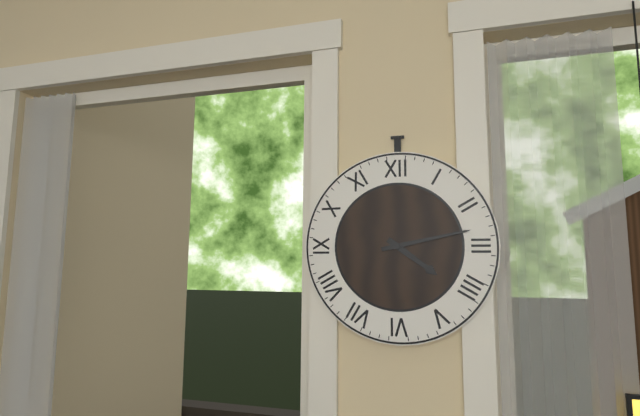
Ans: {"hour": 4, "minute": 13}
